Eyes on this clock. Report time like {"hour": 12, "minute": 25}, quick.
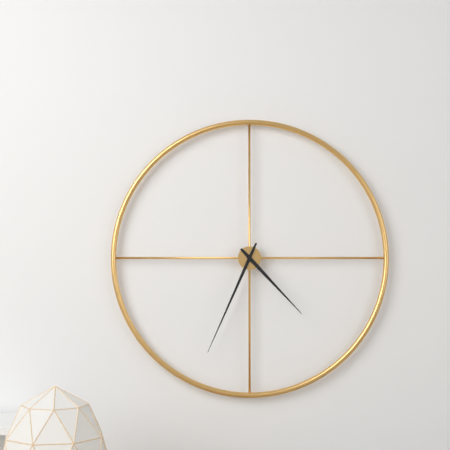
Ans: {"hour": 4, "minute": 34}
